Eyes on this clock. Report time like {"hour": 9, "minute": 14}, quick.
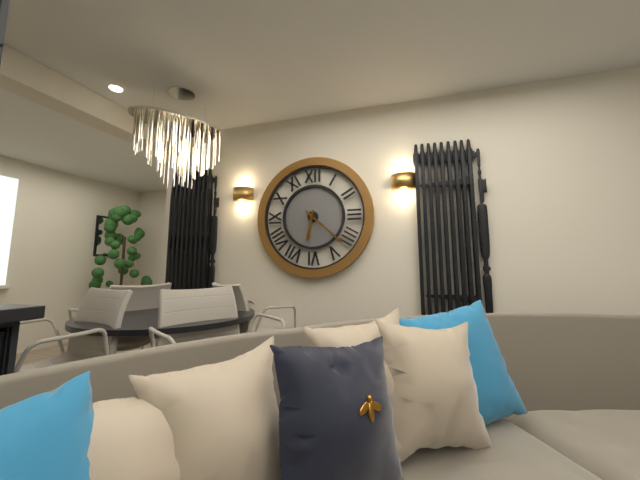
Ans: {"hour": 6, "minute": 22}
